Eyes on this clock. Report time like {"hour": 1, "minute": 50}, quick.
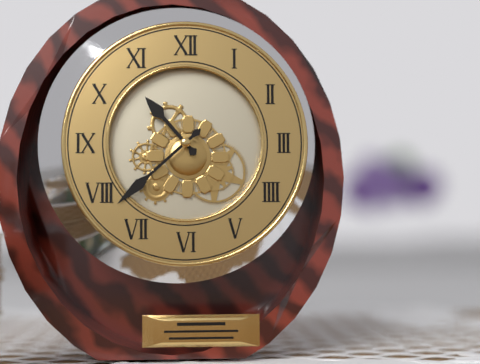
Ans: {"hour": 10, "minute": 38}
